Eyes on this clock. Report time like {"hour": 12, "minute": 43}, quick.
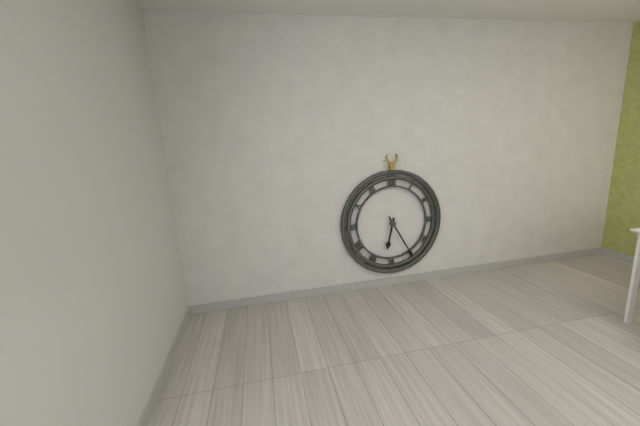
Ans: {"hour": 6, "minute": 25}
